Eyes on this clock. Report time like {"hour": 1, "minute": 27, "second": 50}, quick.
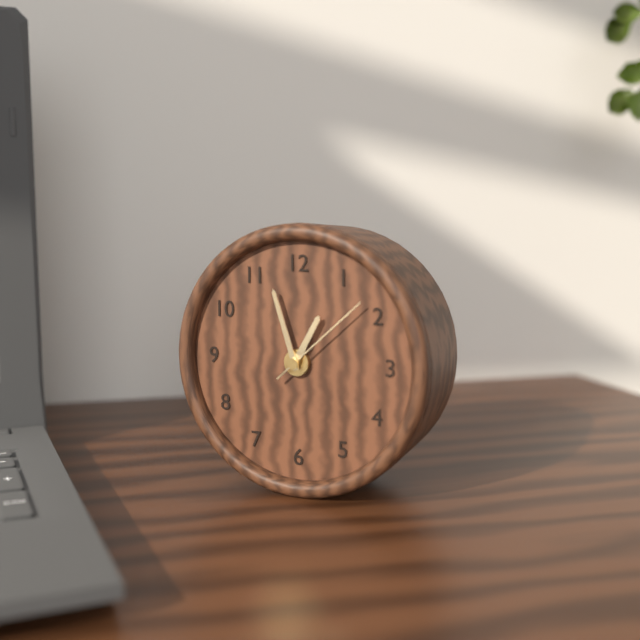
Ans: {"hour": 12, "minute": 57, "second": 8}
